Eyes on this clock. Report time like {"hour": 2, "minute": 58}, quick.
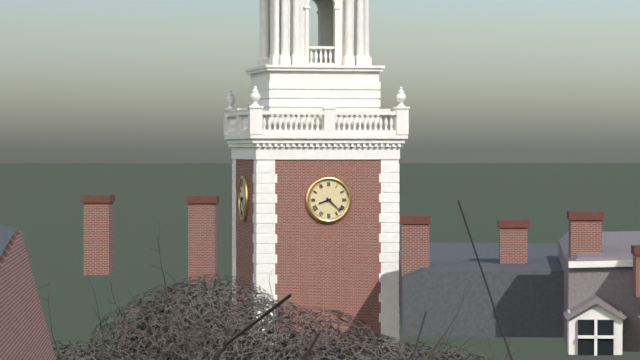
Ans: {"hour": 8, "minute": 22}
